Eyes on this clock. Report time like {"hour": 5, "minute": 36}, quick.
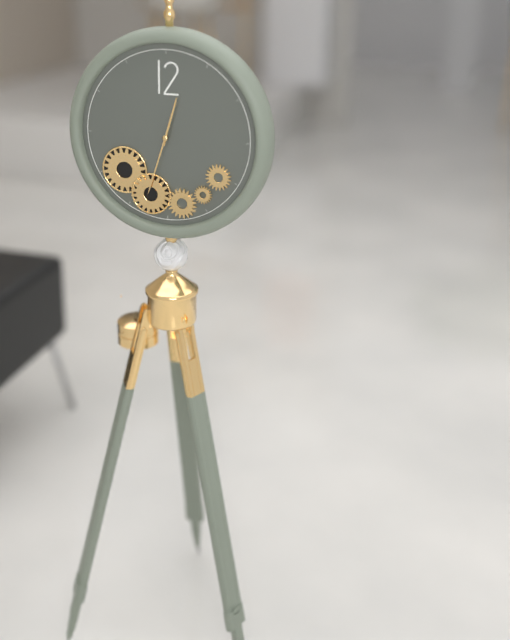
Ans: {"hour": 12, "minute": 33}
